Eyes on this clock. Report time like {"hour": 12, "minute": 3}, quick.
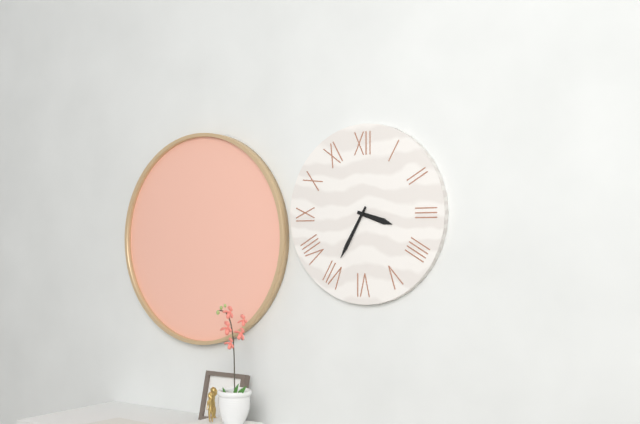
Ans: {"hour": 3, "minute": 35}
